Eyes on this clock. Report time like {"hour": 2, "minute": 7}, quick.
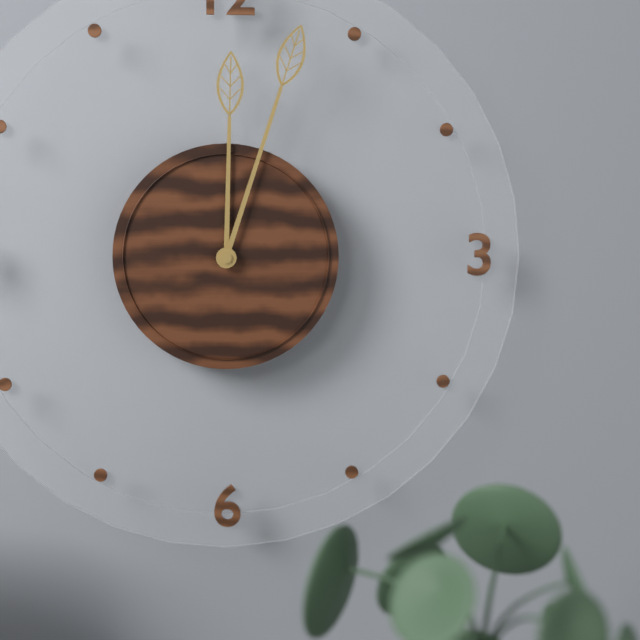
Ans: {"hour": 12, "minute": 3}
